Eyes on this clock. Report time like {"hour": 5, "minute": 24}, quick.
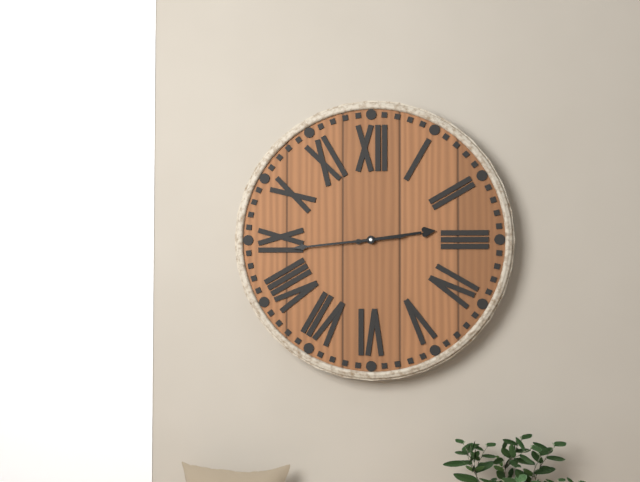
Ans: {"hour": 2, "minute": 44}
